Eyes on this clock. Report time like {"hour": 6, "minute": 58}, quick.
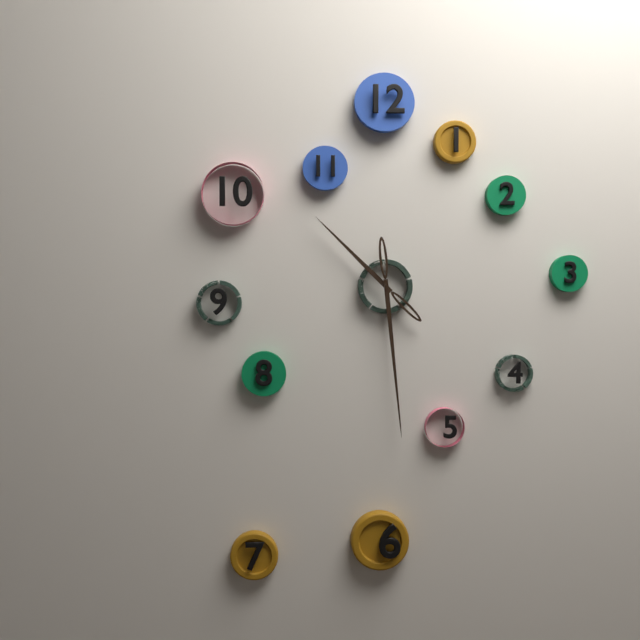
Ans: {"hour": 10, "minute": 29}
